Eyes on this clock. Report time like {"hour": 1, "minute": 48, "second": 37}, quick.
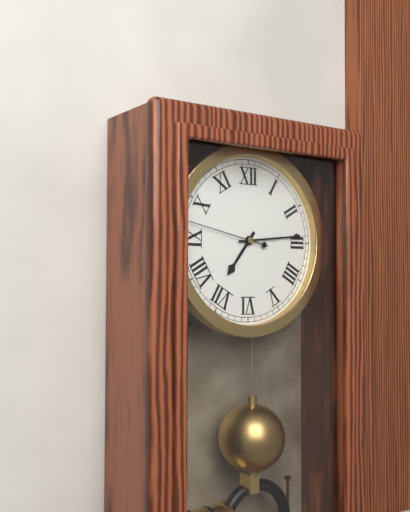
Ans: {"hour": 7, "minute": 14, "second": 47}
